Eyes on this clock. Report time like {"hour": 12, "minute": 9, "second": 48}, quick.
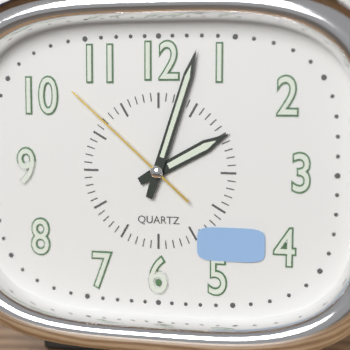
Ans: {"hour": 2, "minute": 3, "second": 52}
